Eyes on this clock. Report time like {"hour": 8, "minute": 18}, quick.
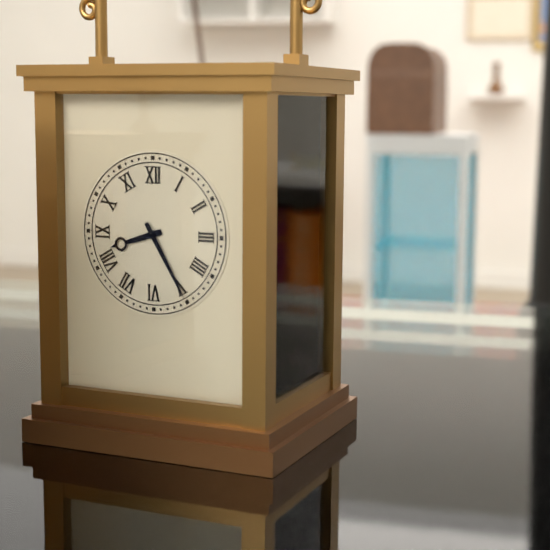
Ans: {"hour": 8, "minute": 25}
